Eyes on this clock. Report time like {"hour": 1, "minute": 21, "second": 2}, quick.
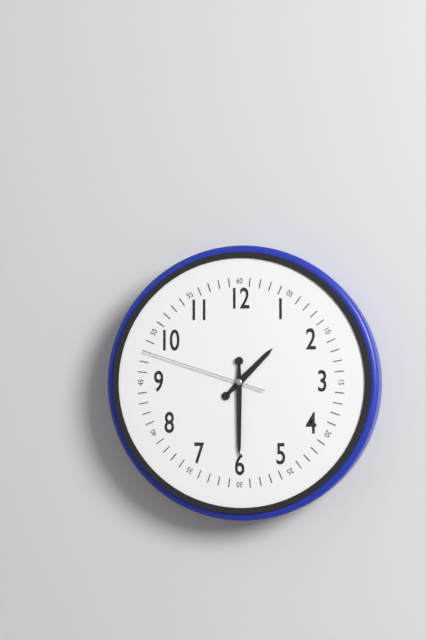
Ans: {"hour": 1, "minute": 30, "second": 48}
